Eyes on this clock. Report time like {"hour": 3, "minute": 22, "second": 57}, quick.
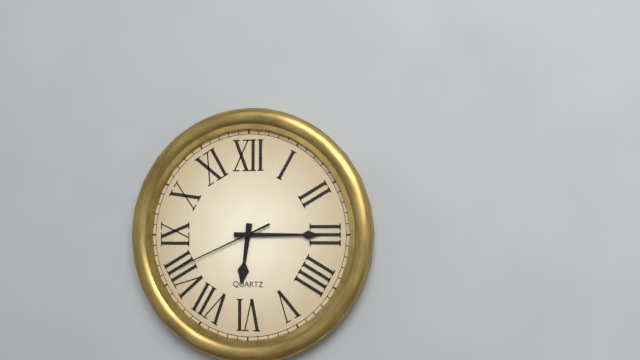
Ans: {"hour": 6, "minute": 15, "second": 41}
